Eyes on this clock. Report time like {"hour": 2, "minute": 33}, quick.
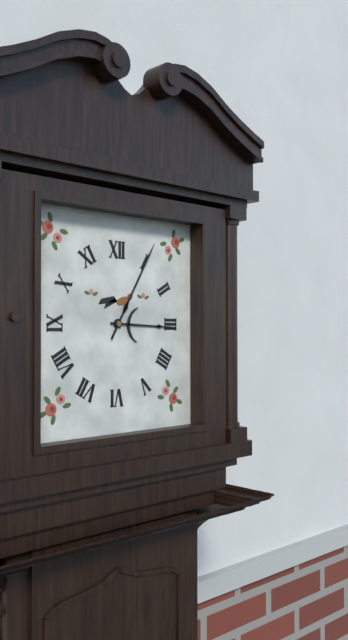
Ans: {"hour": 3, "minute": 5}
